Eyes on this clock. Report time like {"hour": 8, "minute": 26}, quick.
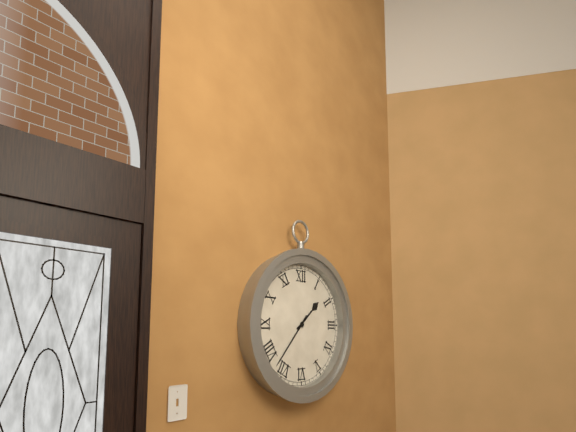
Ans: {"hour": 1, "minute": 37}
